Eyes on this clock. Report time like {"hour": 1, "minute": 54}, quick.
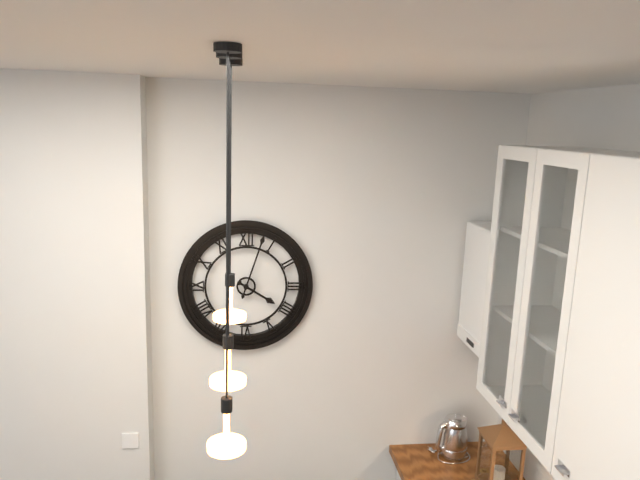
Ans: {"hour": 4, "minute": 3}
